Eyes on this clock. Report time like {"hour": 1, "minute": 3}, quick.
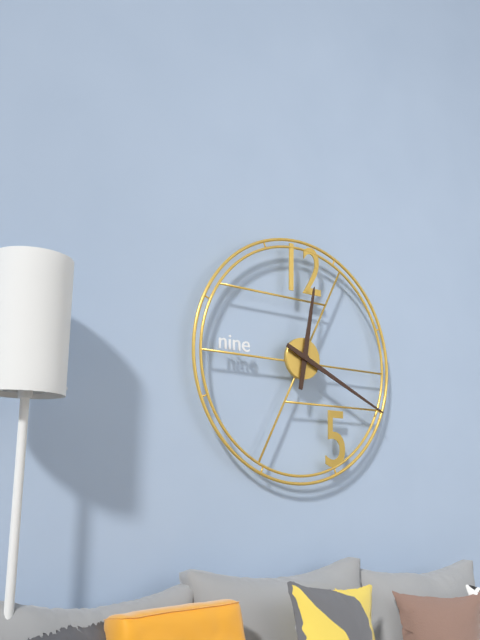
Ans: {"hour": 12, "minute": 19}
